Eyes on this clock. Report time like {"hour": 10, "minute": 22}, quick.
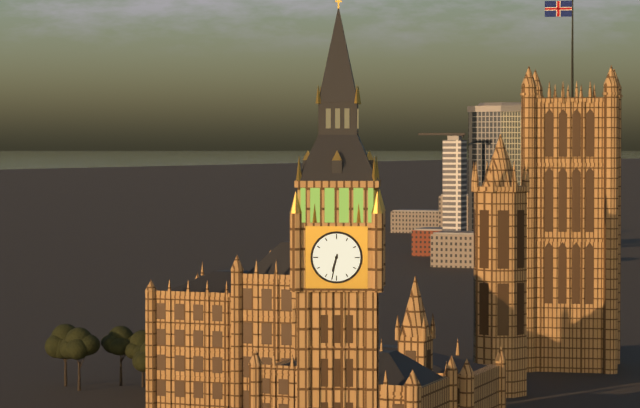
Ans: {"hour": 6, "minute": 32}
